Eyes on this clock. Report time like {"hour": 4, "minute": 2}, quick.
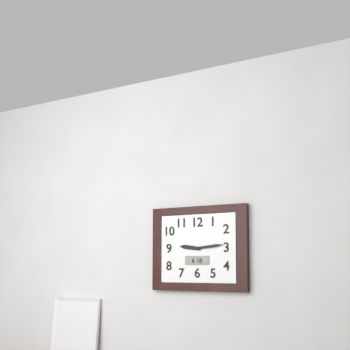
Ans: {"hour": 9, "minute": 14}
